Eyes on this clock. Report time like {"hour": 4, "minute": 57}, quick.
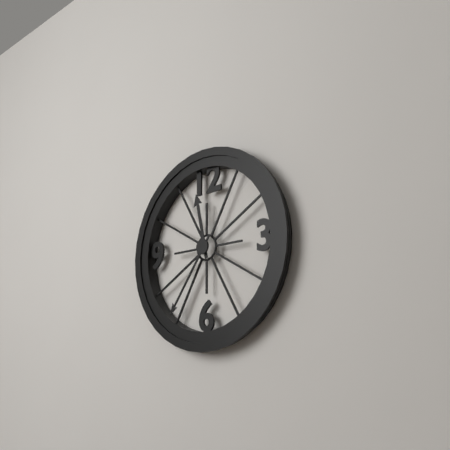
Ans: {"hour": 11, "minute": 36}
